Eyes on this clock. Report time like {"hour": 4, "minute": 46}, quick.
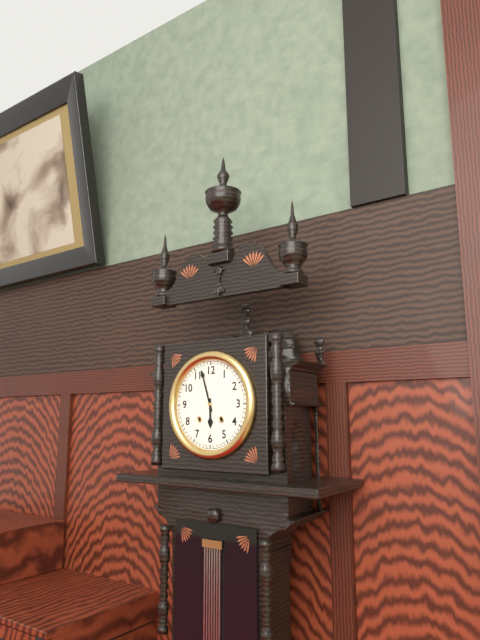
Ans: {"hour": 5, "minute": 57}
